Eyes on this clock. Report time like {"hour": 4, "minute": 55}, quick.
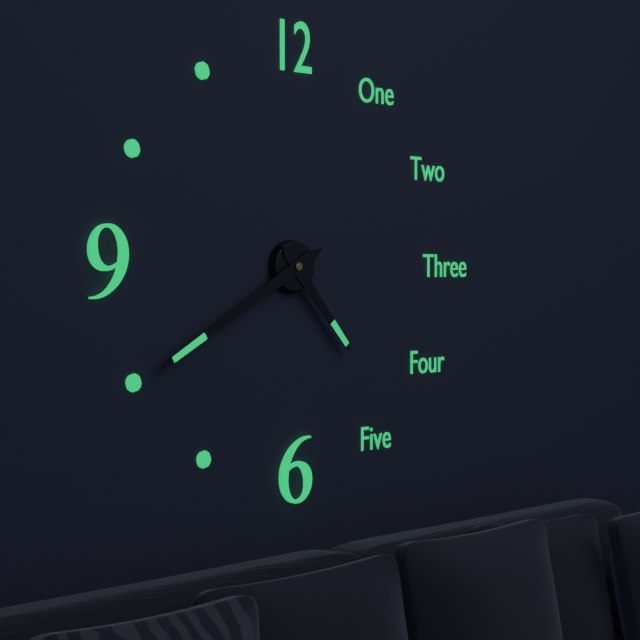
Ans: {"hour": 4, "minute": 40}
